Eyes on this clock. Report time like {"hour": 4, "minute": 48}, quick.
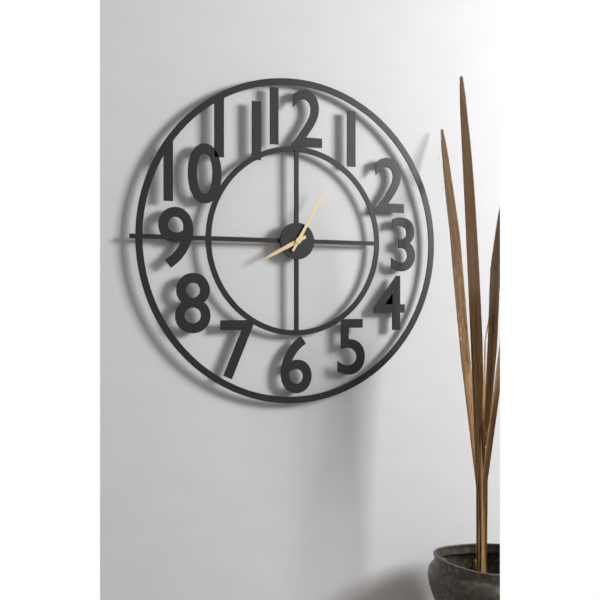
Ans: {"hour": 8, "minute": 5}
